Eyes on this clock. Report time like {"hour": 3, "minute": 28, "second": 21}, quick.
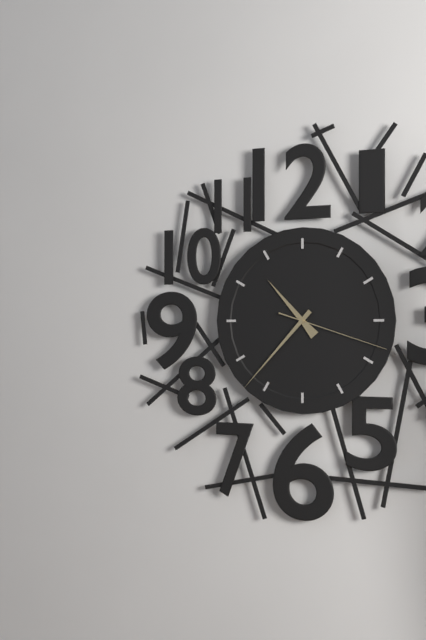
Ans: {"hour": 10, "minute": 37, "second": 18}
